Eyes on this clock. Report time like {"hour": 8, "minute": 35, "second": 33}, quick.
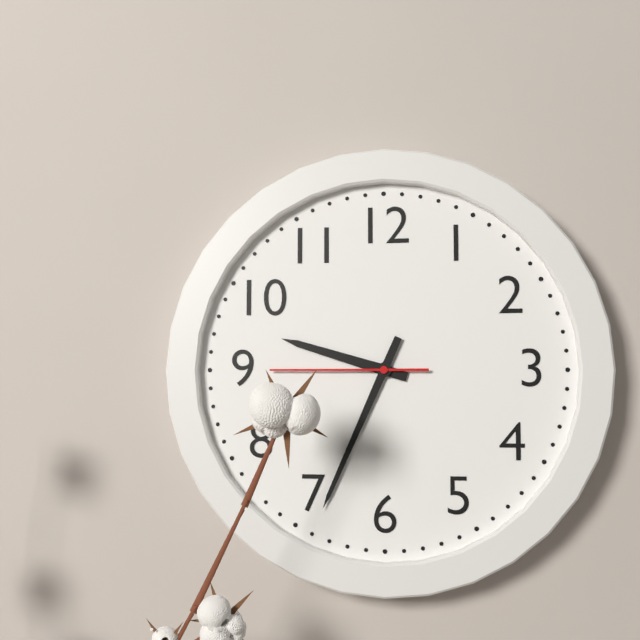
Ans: {"hour": 9, "minute": 34, "second": 45}
